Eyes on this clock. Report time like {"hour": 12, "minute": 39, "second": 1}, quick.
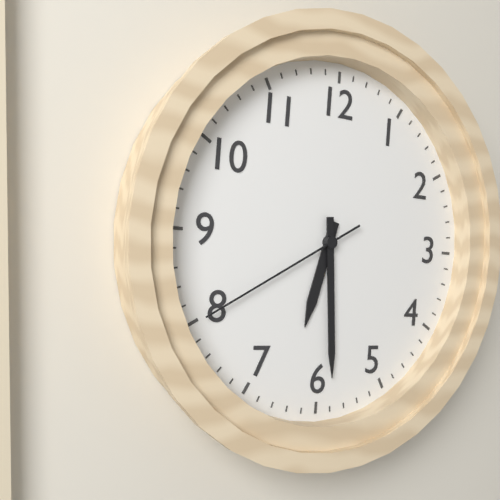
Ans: {"hour": 6, "minute": 29, "second": 40}
